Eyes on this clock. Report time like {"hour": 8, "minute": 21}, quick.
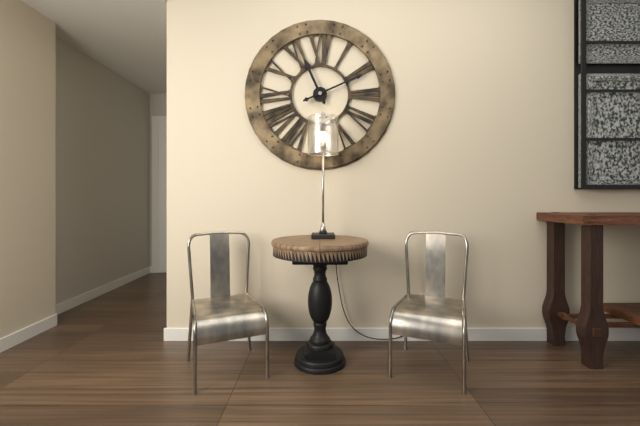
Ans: {"hour": 11, "minute": 11}
